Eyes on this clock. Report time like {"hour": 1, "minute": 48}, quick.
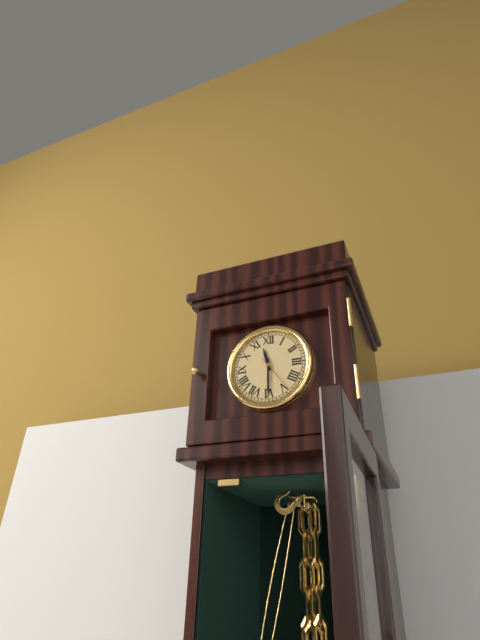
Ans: {"hour": 11, "minute": 30}
